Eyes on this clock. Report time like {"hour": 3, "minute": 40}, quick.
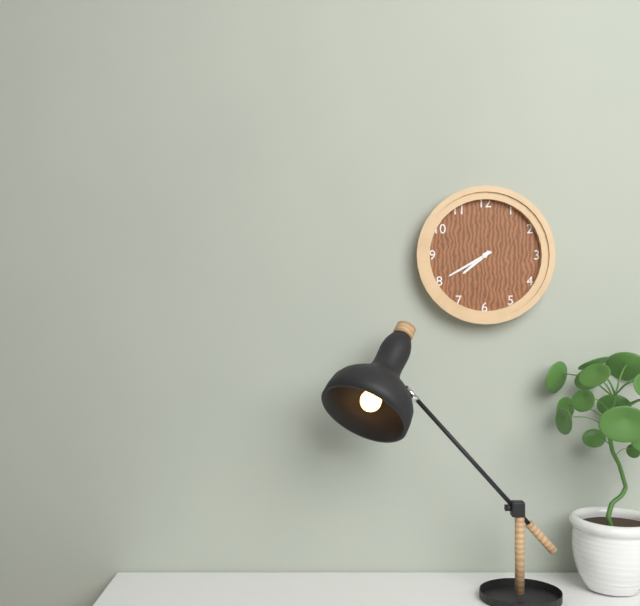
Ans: {"hour": 7, "minute": 40}
